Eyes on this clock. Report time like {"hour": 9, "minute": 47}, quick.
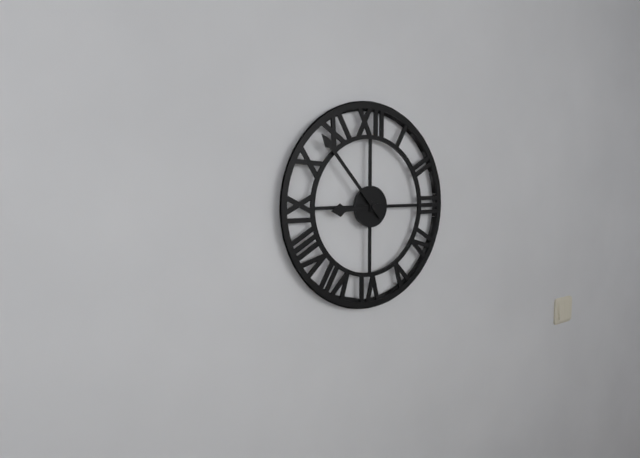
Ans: {"hour": 8, "minute": 53}
